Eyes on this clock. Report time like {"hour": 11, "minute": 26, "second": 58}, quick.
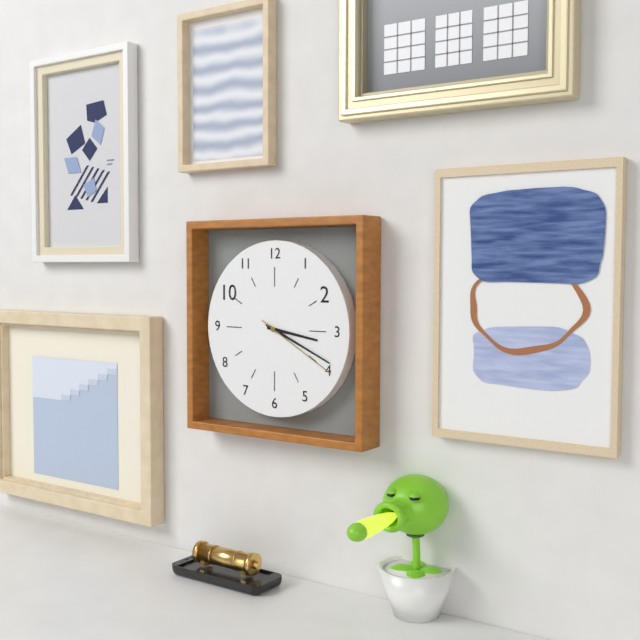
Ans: {"hour": 3, "minute": 19, "second": 20}
